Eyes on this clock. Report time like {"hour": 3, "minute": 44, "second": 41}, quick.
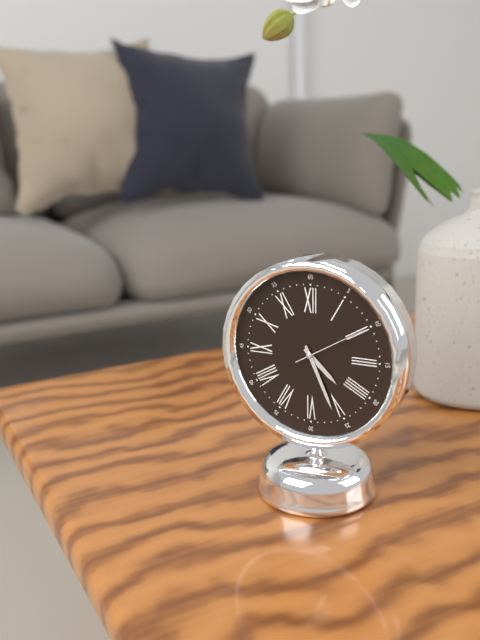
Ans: {"hour": 4, "minute": 26, "second": 10}
